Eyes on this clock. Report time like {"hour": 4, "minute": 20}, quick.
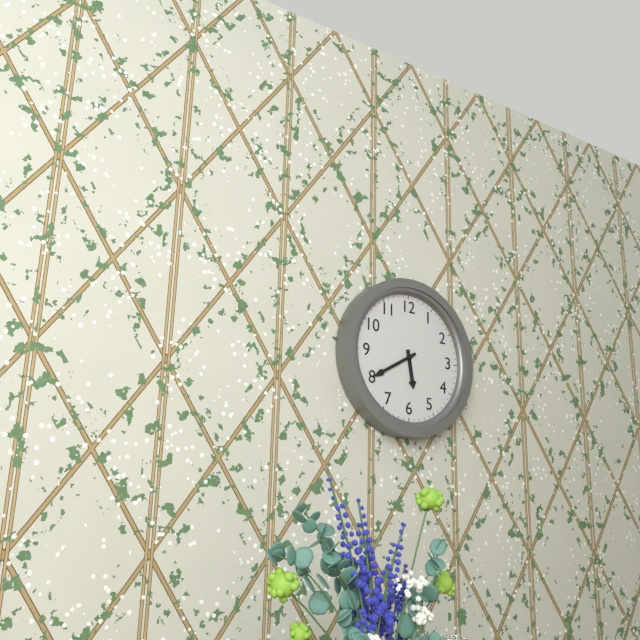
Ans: {"hour": 5, "minute": 40}
